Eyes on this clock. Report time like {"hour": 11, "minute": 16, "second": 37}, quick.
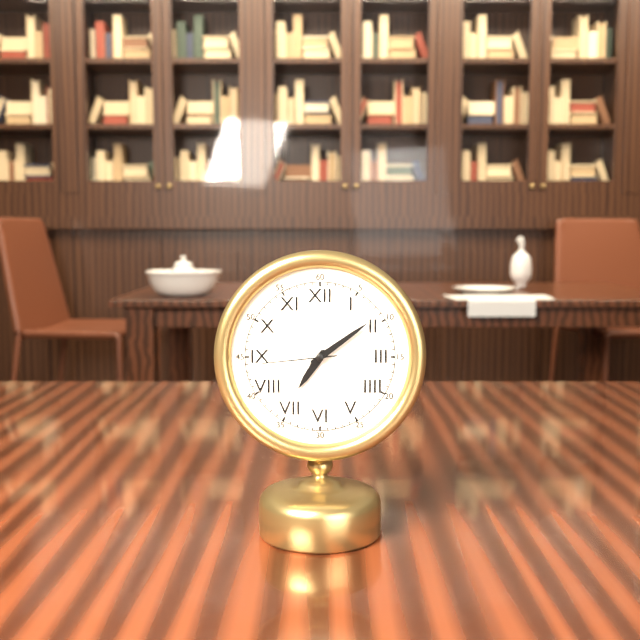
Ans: {"hour": 7, "minute": 9, "second": 44}
